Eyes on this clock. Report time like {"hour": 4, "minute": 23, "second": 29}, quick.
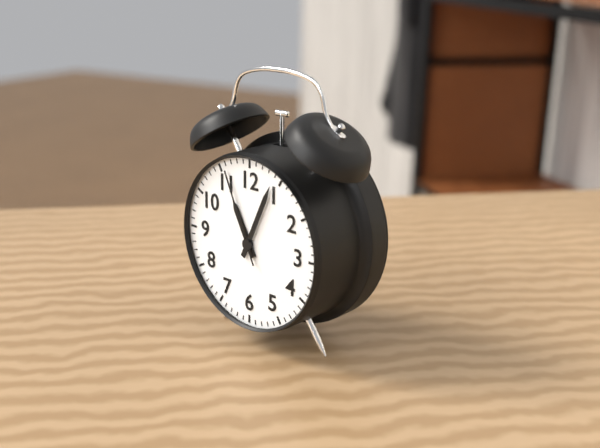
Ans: {"hour": 11, "minute": 4, "second": 56}
